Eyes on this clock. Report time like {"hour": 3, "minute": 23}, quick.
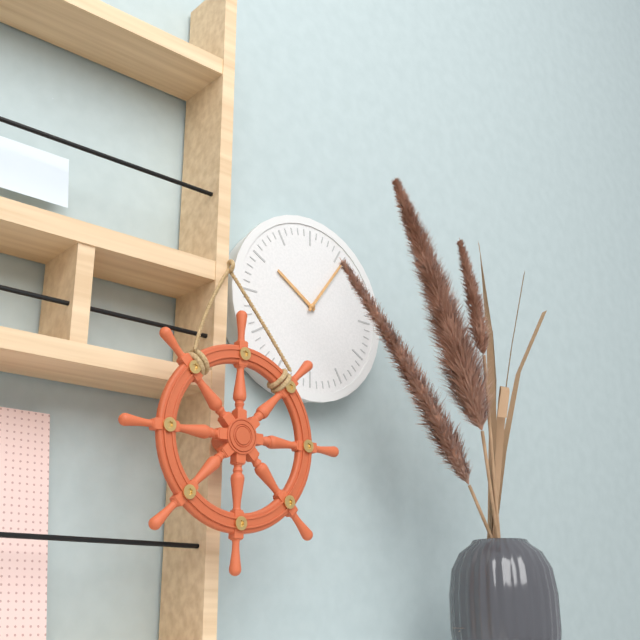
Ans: {"hour": 10, "minute": 6}
